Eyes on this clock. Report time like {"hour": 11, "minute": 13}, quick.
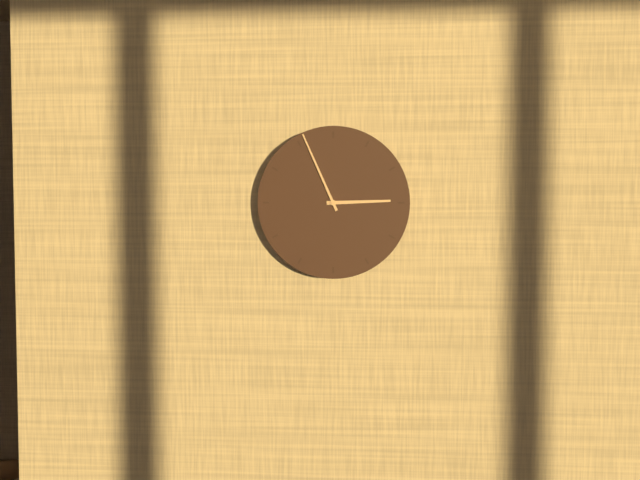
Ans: {"hour": 2, "minute": 56}
